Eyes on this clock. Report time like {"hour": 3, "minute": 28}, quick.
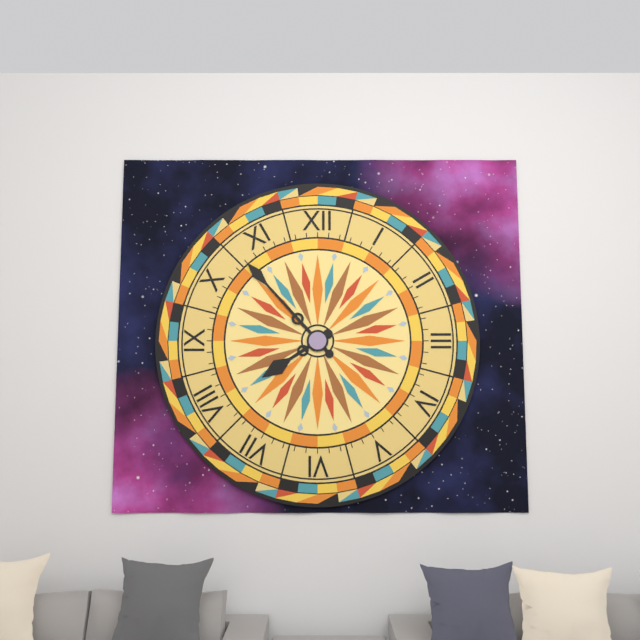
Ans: {"hour": 7, "minute": 53}
